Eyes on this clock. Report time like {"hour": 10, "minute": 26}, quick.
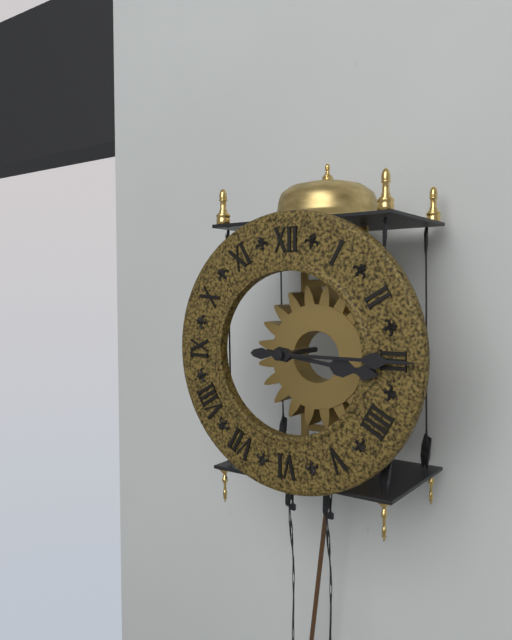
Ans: {"hour": 3, "minute": 15}
